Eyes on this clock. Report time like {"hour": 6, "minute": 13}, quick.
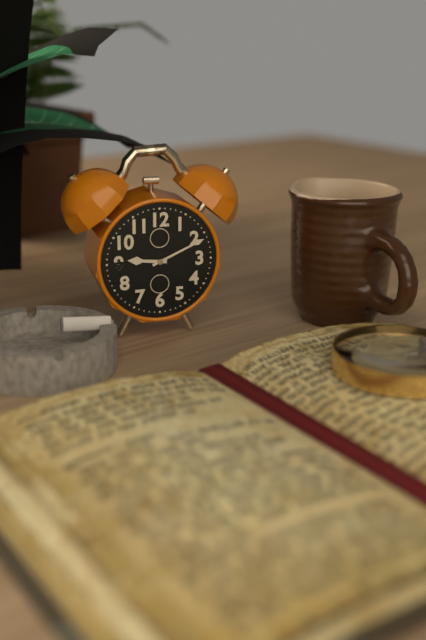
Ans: {"hour": 9, "minute": 11}
